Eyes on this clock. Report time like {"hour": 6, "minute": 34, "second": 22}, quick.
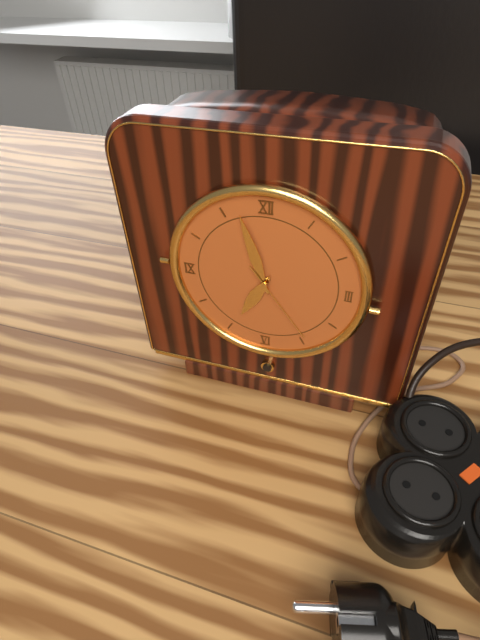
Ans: {"hour": 6, "minute": 57, "second": 24}
